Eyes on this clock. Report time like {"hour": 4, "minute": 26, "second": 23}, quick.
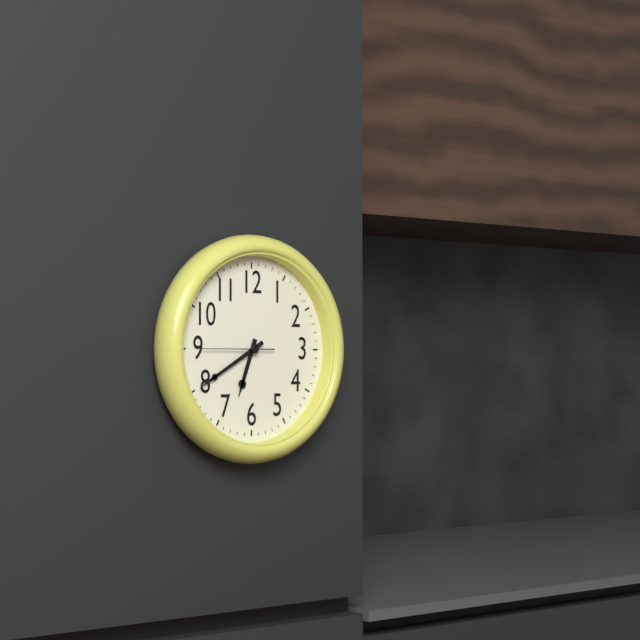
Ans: {"hour": 6, "minute": 40, "second": 45}
